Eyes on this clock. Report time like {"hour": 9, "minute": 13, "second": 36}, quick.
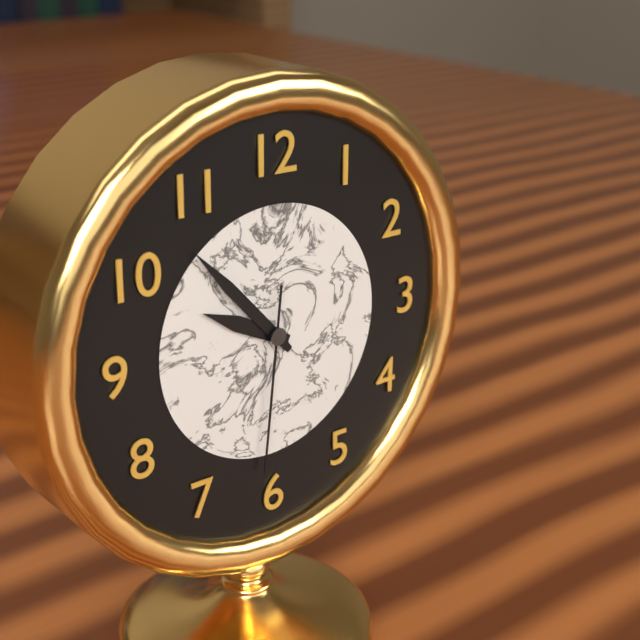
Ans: {"hour": 9, "minute": 53, "second": 31}
